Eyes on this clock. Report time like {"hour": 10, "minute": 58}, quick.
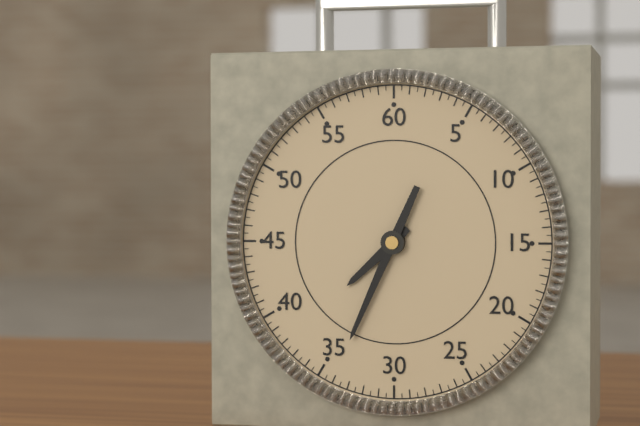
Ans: {"hour": 7, "minute": 34}
